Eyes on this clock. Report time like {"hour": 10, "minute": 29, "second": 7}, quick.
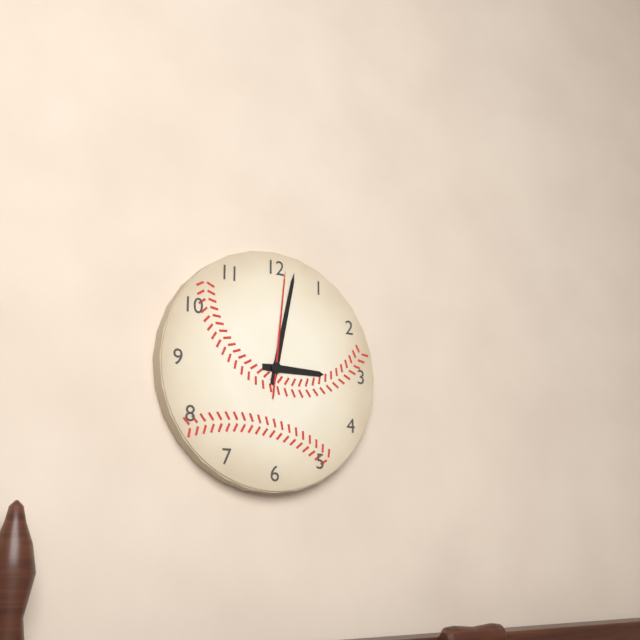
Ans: {"hour": 3, "minute": 2, "second": 1}
